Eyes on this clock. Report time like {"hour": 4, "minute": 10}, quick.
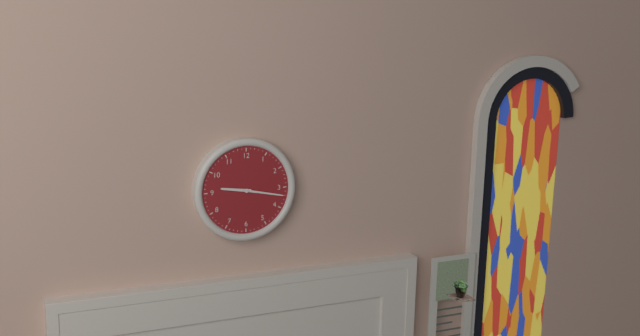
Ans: {"hour": 9, "minute": 17}
